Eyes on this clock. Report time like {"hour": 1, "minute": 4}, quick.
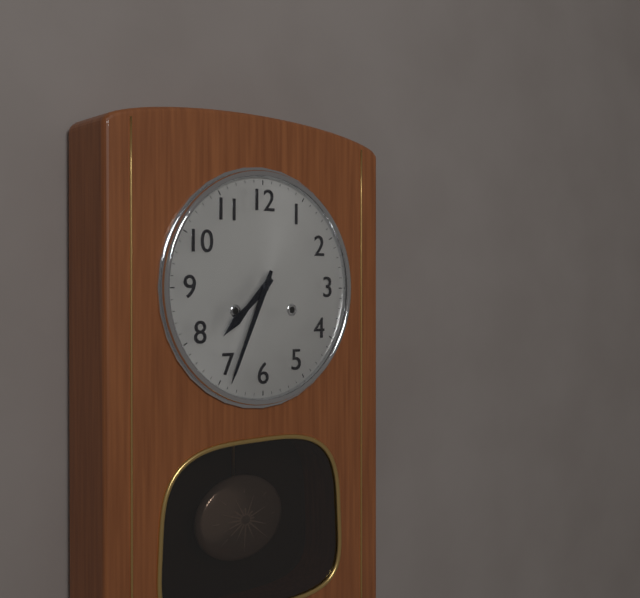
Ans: {"hour": 7, "minute": 34}
